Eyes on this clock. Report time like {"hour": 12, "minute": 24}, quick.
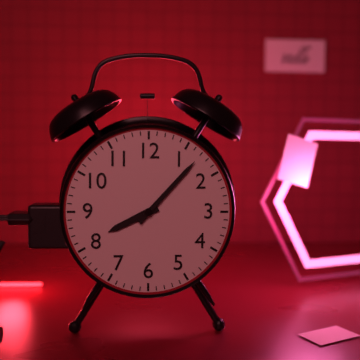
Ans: {"hour": 8, "minute": 7}
